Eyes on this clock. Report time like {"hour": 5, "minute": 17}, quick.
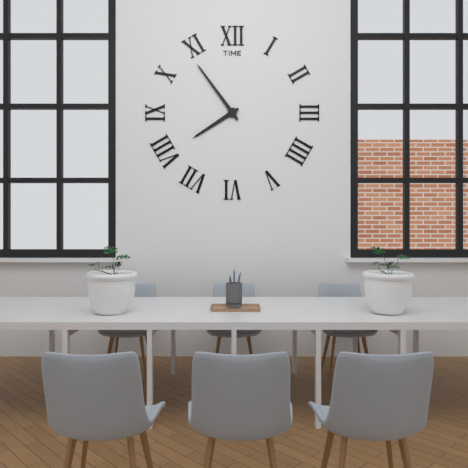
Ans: {"hour": 7, "minute": 54}
